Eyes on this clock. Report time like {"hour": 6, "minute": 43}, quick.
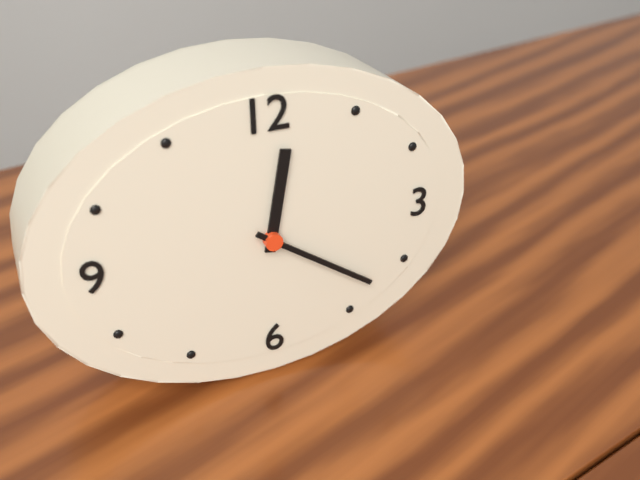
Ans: {"hour": 12, "minute": 21}
